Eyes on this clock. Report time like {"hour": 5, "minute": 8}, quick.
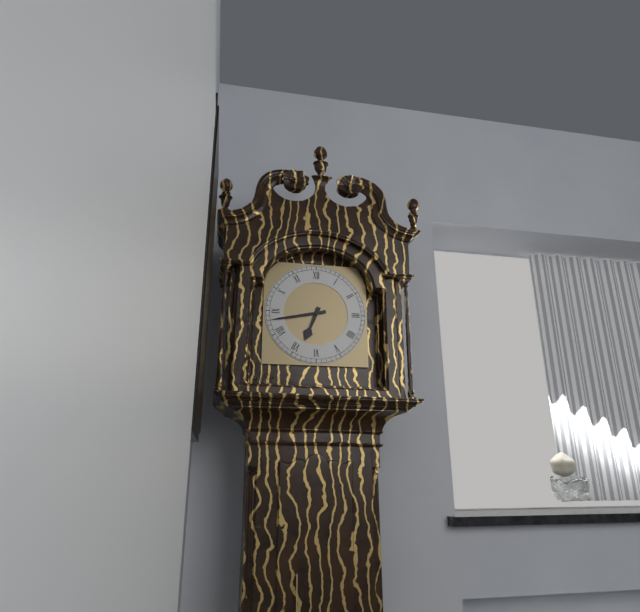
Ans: {"hour": 6, "minute": 43}
